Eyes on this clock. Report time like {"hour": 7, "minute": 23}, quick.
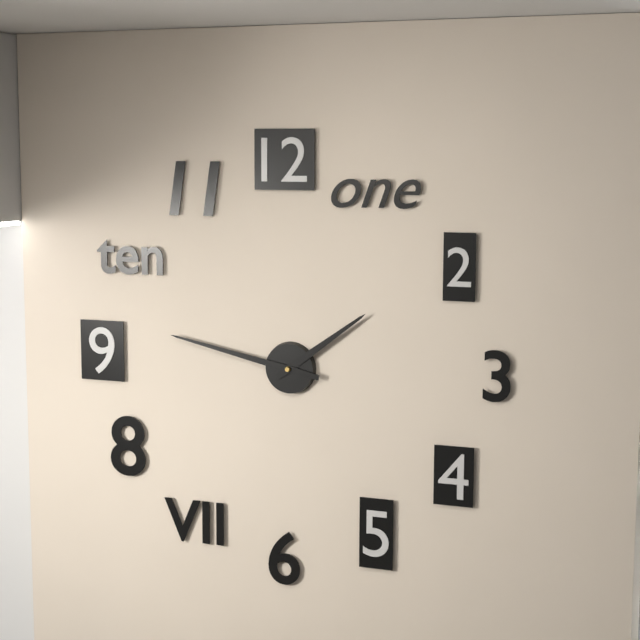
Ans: {"hour": 1, "minute": 47}
